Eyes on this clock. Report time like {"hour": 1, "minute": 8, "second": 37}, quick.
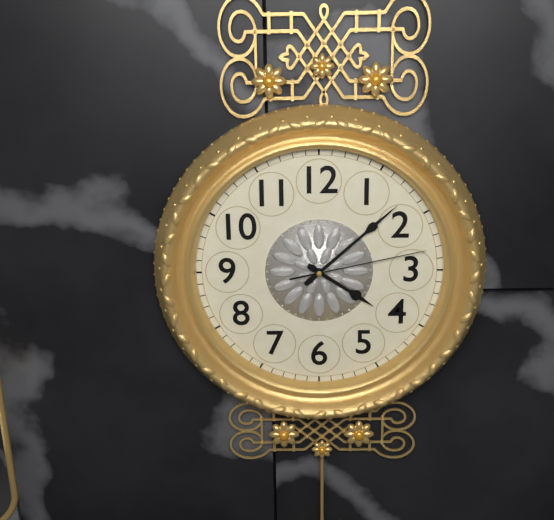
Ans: {"hour": 4, "minute": 8, "second": 13}
